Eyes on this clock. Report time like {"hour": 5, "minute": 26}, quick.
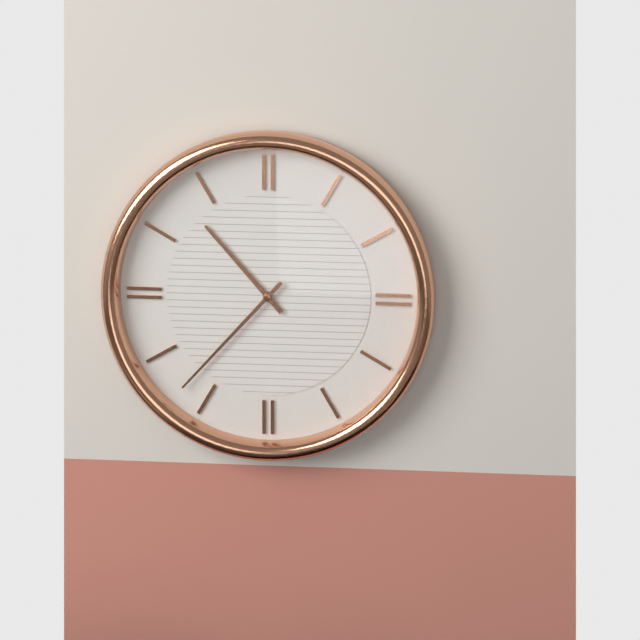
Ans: {"hour": 10, "minute": 37}
